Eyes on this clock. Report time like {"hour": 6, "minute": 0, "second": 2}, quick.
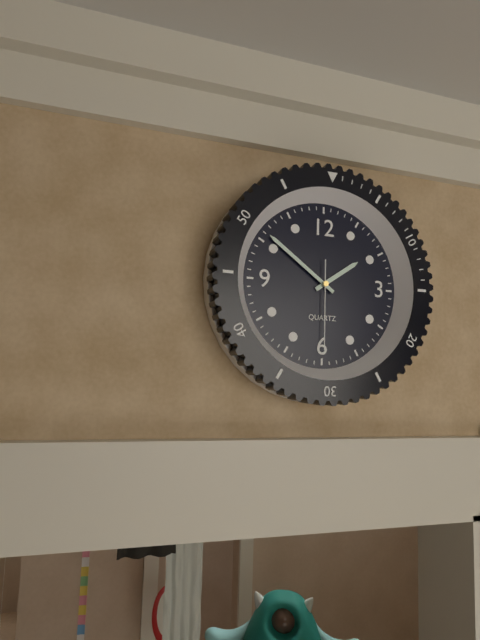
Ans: {"hour": 1, "minute": 51, "second": 30}
